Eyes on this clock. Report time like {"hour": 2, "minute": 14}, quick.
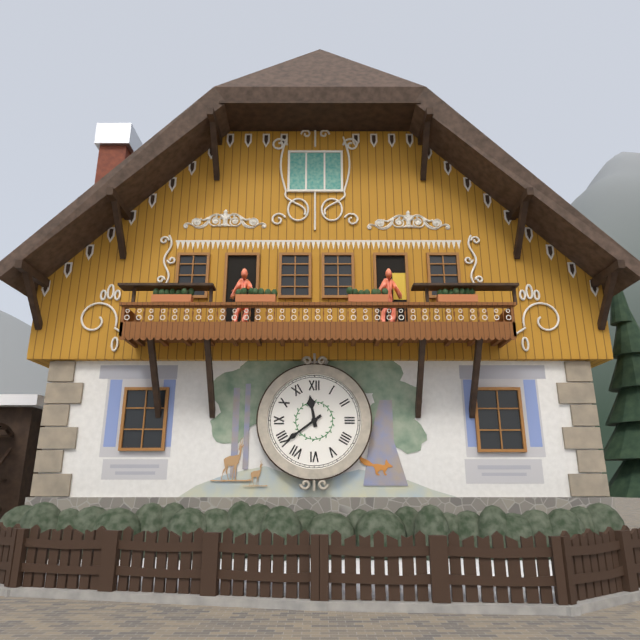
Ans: {"hour": 11, "minute": 39}
